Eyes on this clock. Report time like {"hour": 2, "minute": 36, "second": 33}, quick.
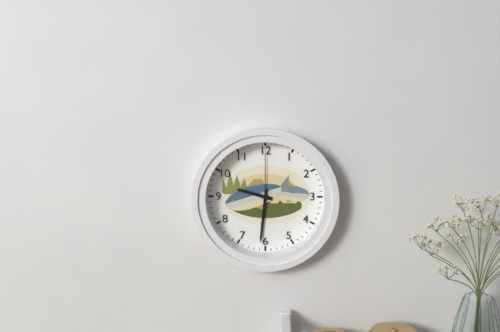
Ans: {"hour": 9, "minute": 31, "second": 0}
